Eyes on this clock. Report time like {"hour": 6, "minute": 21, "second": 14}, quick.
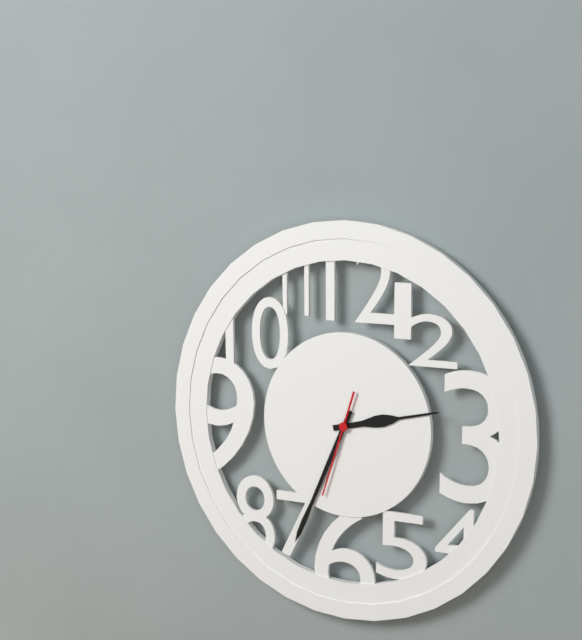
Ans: {"hour": 2, "minute": 34, "second": 33}
